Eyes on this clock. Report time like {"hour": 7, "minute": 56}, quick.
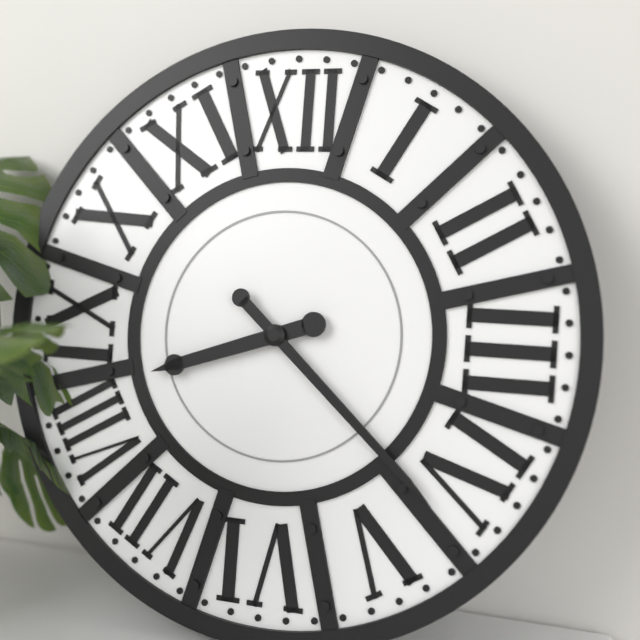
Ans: {"hour": 8, "minute": 22}
